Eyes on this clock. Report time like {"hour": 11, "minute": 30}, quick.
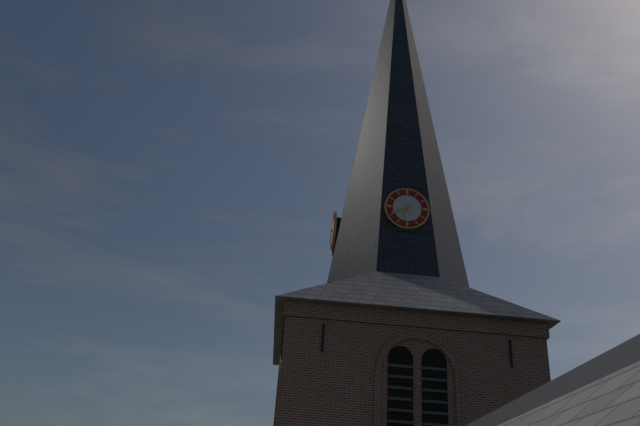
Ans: {"hour": 6, "minute": 41}
